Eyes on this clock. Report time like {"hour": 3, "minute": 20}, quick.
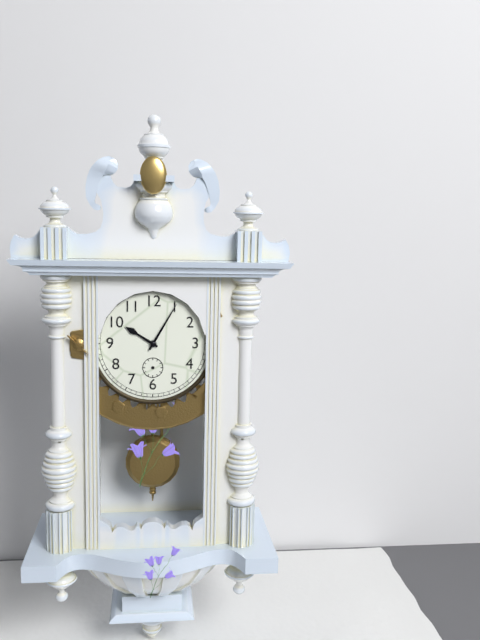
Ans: {"hour": 10, "minute": 5}
